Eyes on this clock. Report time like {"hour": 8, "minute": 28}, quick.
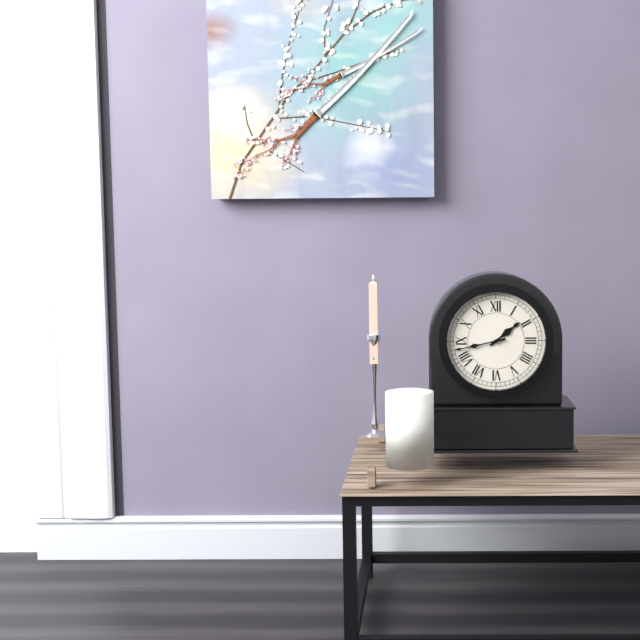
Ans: {"hour": 1, "minute": 43}
